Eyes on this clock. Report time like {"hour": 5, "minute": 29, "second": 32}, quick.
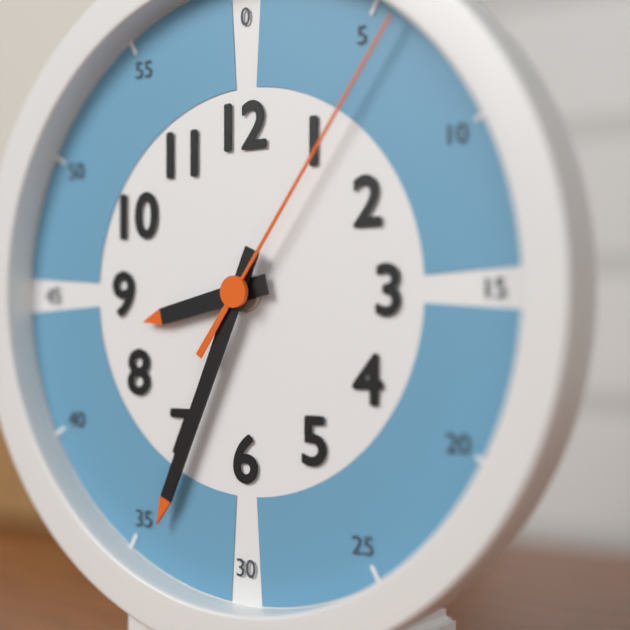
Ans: {"hour": 8, "minute": 34, "second": 6}
